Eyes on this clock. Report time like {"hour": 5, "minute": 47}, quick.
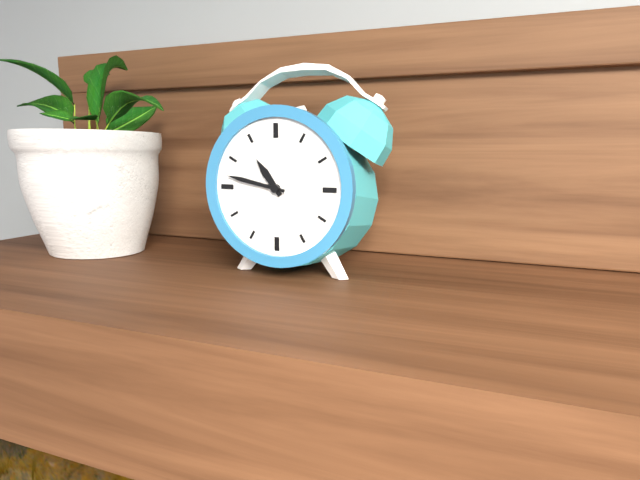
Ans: {"hour": 10, "minute": 47}
